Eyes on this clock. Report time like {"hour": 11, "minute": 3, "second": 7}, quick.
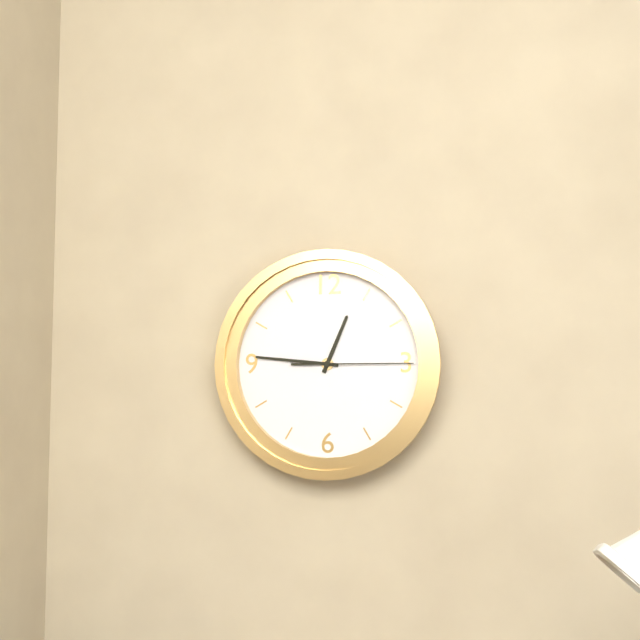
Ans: {"hour": 12, "minute": 46, "second": 15}
